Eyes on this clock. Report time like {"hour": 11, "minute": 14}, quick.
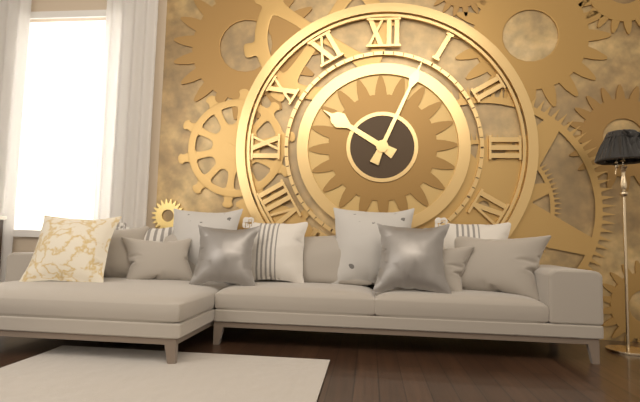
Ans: {"hour": 10, "minute": 4}
